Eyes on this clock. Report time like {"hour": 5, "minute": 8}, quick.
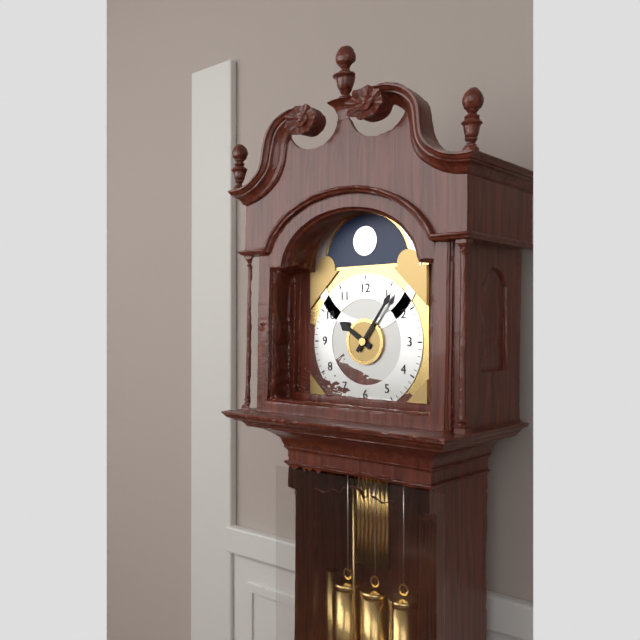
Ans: {"hour": 10, "minute": 6}
